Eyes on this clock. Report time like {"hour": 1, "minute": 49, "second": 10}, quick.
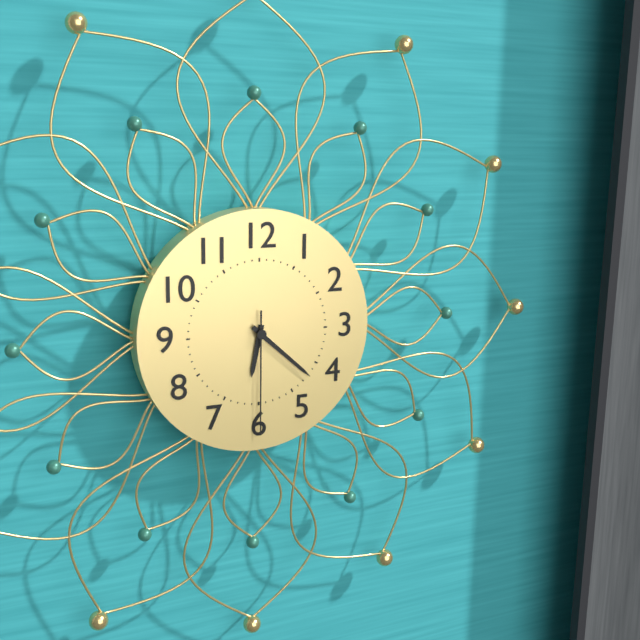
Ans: {"hour": 6, "minute": 22, "second": 30}
